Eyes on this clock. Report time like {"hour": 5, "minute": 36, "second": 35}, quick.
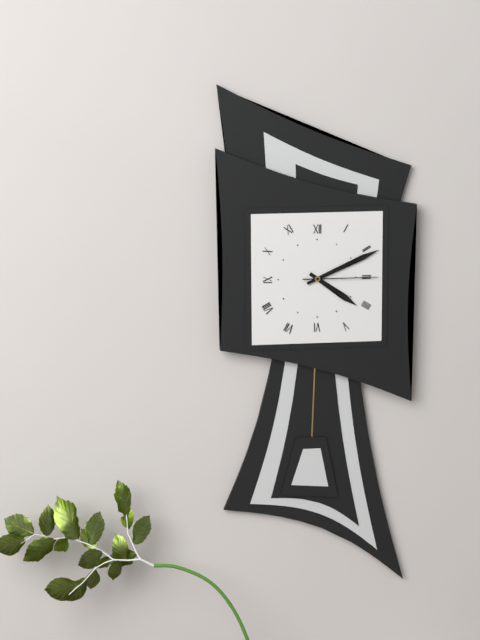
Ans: {"hour": 4, "minute": 11, "second": 15}
